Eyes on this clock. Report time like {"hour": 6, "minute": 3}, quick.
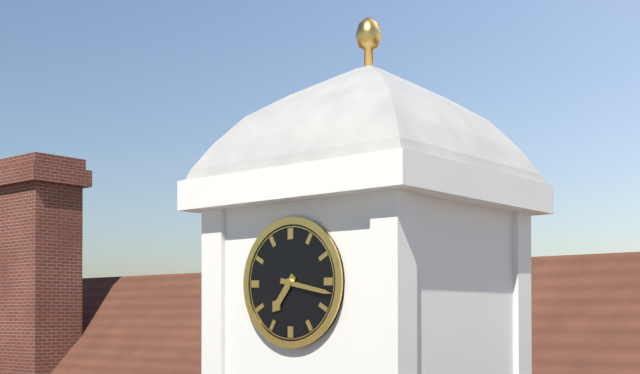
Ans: {"hour": 7, "minute": 17}
